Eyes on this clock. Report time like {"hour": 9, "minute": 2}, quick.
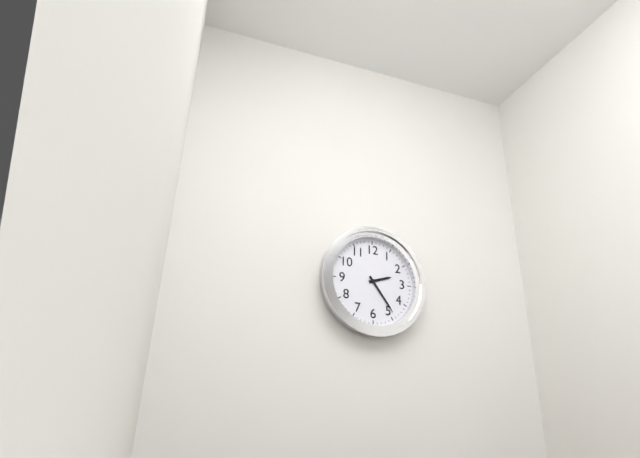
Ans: {"hour": 2, "minute": 24}
